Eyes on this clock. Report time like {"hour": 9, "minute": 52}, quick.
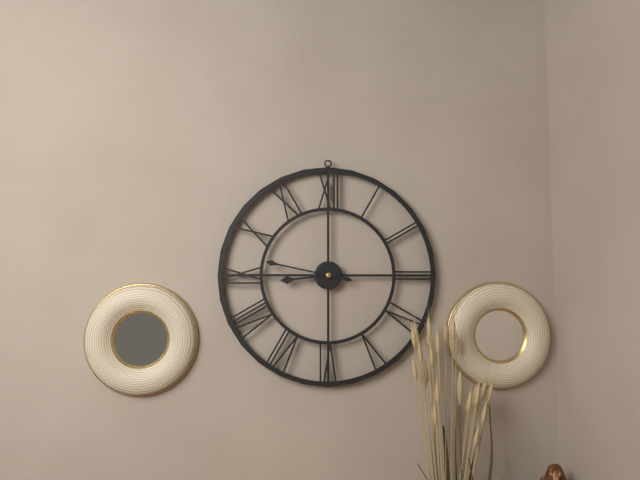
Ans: {"hour": 8, "minute": 47}
